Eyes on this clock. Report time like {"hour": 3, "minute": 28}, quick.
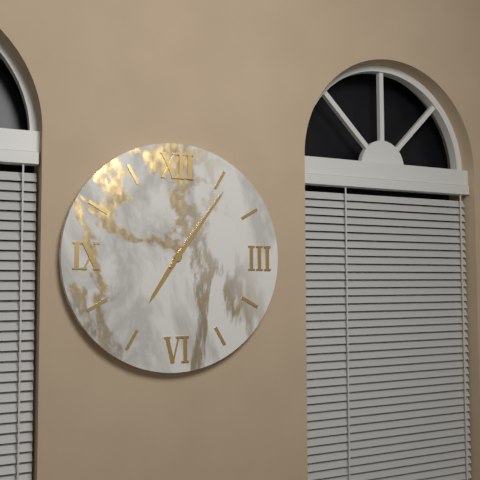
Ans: {"hour": 7, "minute": 6}
